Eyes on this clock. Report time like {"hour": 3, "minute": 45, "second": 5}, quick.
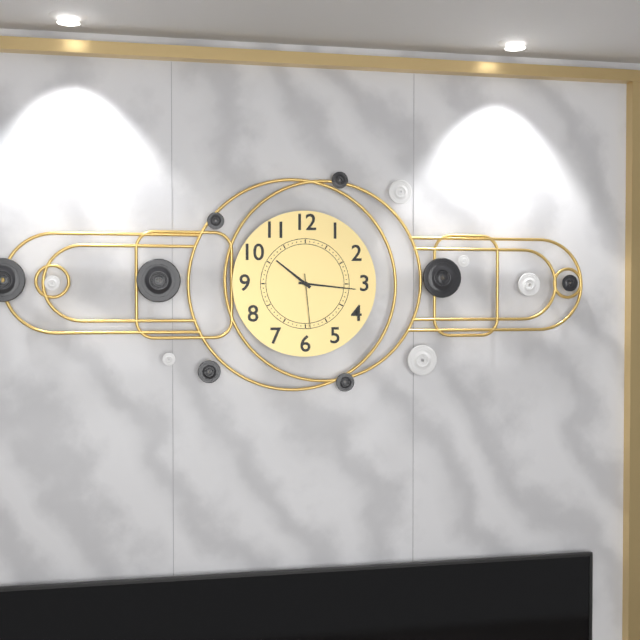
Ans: {"hour": 10, "minute": 16, "second": 29}
